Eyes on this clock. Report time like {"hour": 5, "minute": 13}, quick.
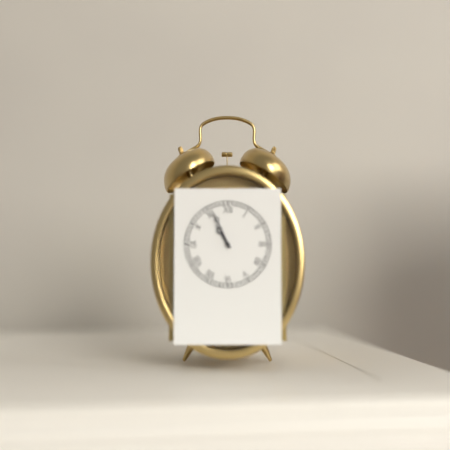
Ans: {"hour": 10, "minute": 56}
